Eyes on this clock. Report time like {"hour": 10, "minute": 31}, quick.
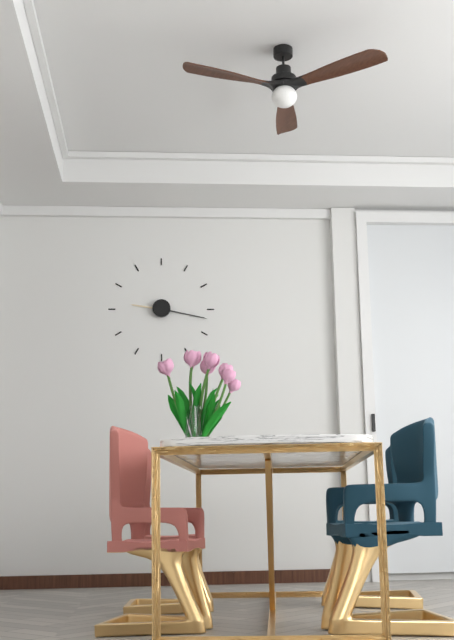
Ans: {"hour": 9, "minute": 17}
